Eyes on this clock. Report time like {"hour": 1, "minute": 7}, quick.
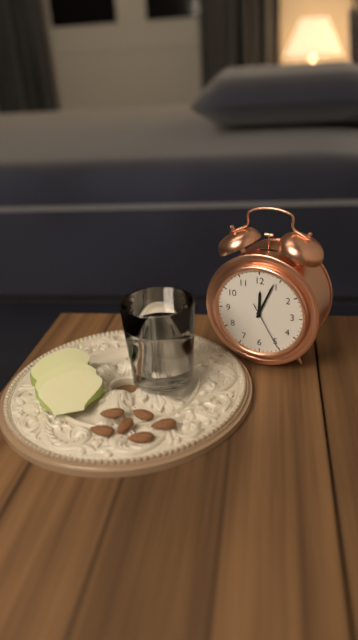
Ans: {"hour": 12, "minute": 4}
